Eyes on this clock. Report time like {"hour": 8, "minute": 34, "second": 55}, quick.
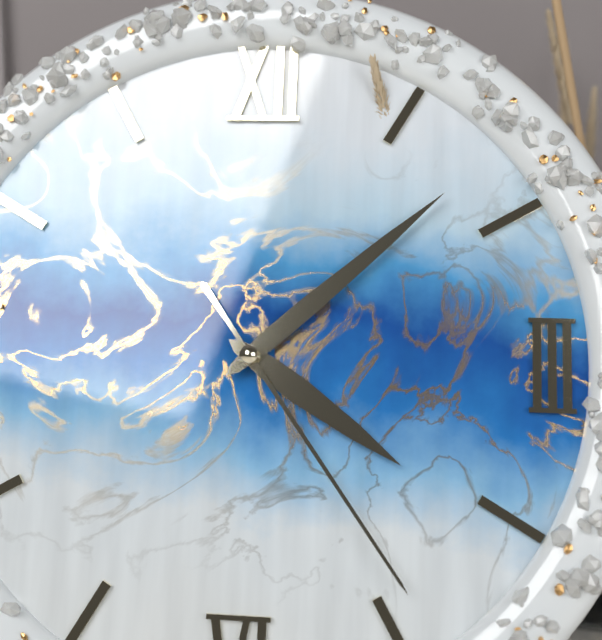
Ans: {"hour": 4, "minute": 8, "second": 24}
